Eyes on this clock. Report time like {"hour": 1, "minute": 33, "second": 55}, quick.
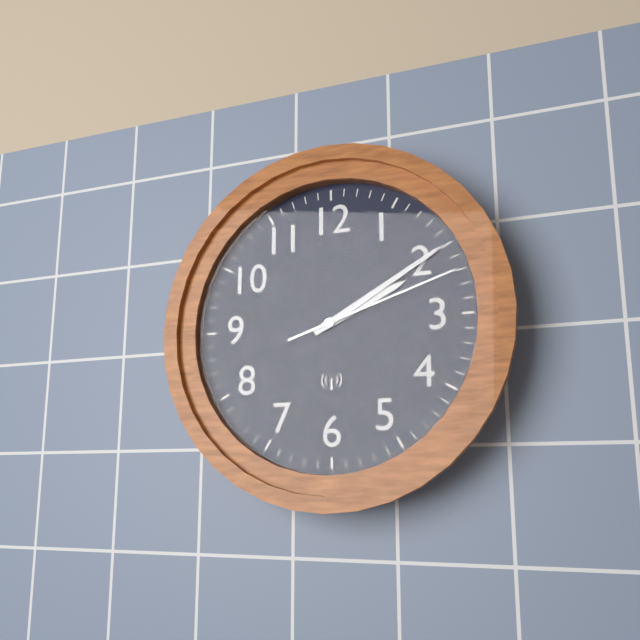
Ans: {"hour": 2, "minute": 10, "second": 12}
